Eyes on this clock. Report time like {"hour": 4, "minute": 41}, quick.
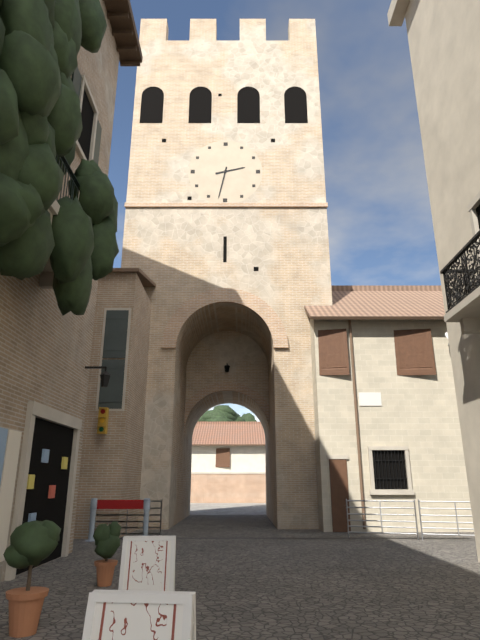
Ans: {"hour": 2, "minute": 32}
